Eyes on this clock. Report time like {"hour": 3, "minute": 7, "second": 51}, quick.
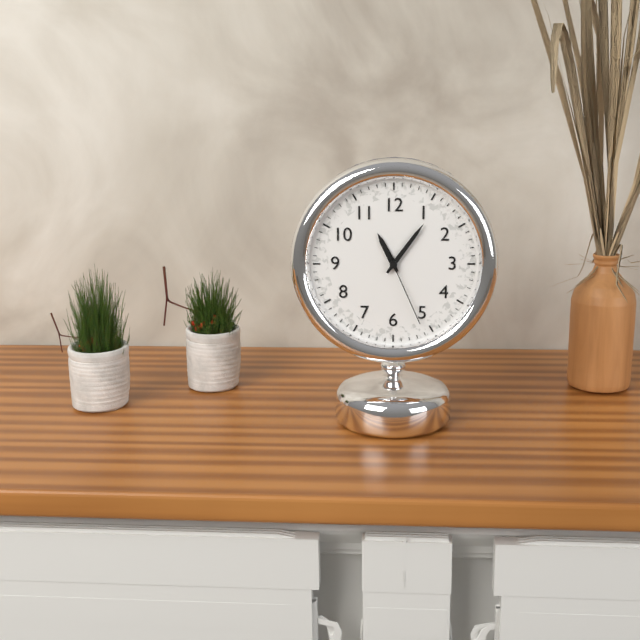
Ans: {"hour": 11, "minute": 6, "second": 26}
